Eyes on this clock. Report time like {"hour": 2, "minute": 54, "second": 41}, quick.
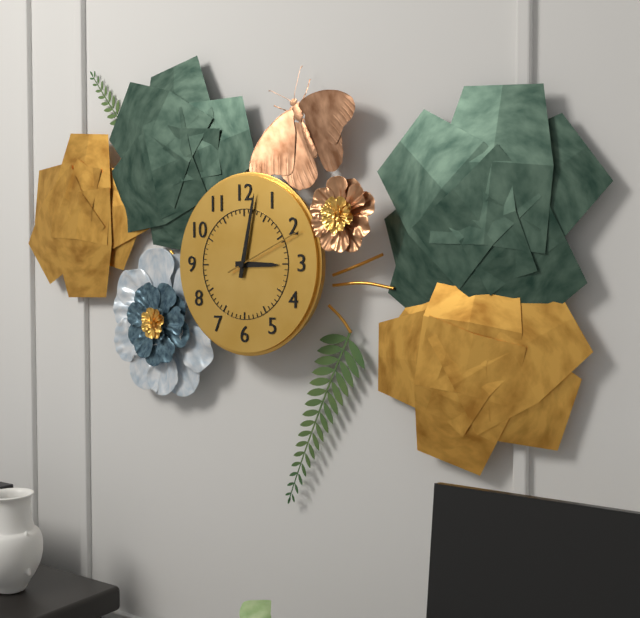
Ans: {"hour": 3, "minute": 2, "second": 11}
